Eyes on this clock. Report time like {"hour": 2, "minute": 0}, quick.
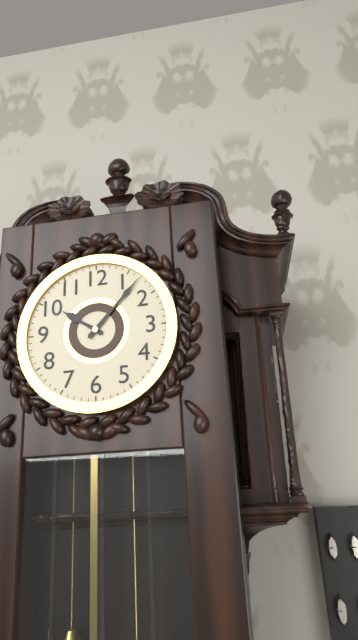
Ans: {"hour": 10, "minute": 7}
